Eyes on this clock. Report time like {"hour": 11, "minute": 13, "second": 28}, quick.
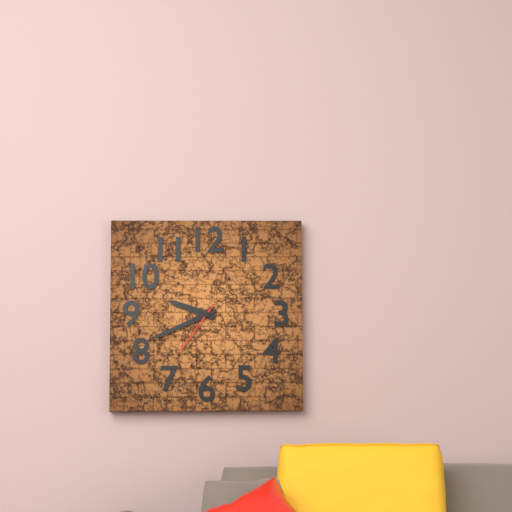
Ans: {"hour": 9, "minute": 41, "second": 36}
